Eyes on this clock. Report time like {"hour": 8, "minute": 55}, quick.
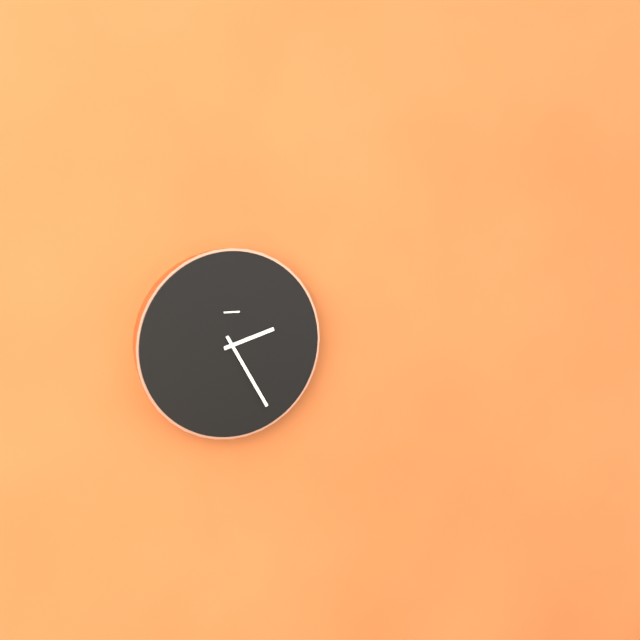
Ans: {"hour": 2, "minute": 25}
